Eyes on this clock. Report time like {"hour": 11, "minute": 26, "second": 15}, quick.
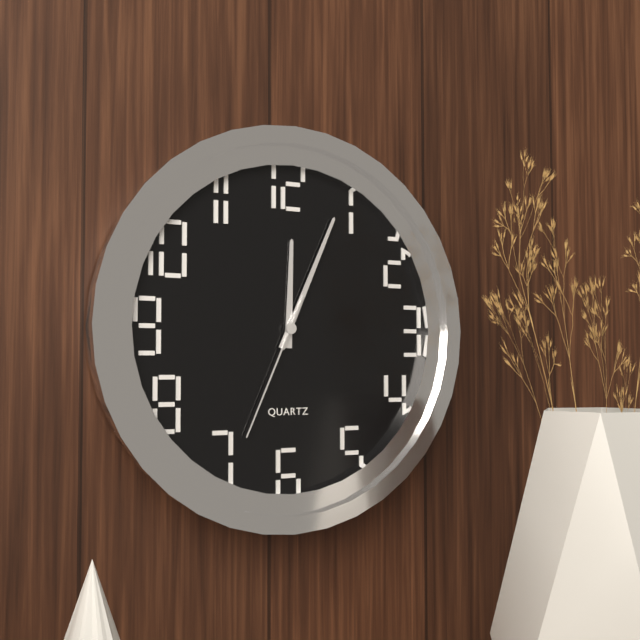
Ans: {"hour": 12, "minute": 4, "second": 34}
